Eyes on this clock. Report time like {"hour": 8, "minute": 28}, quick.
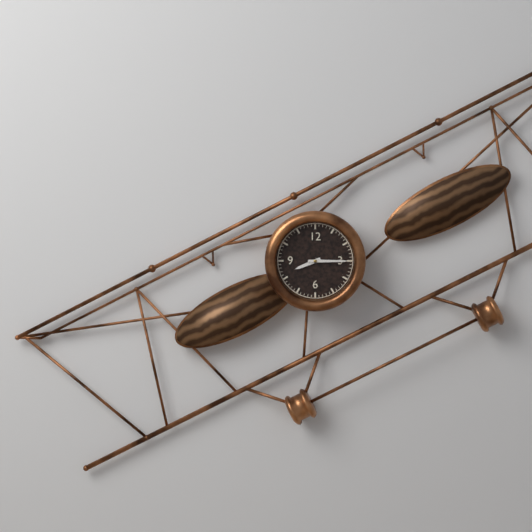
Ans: {"hour": 8, "minute": 15}
